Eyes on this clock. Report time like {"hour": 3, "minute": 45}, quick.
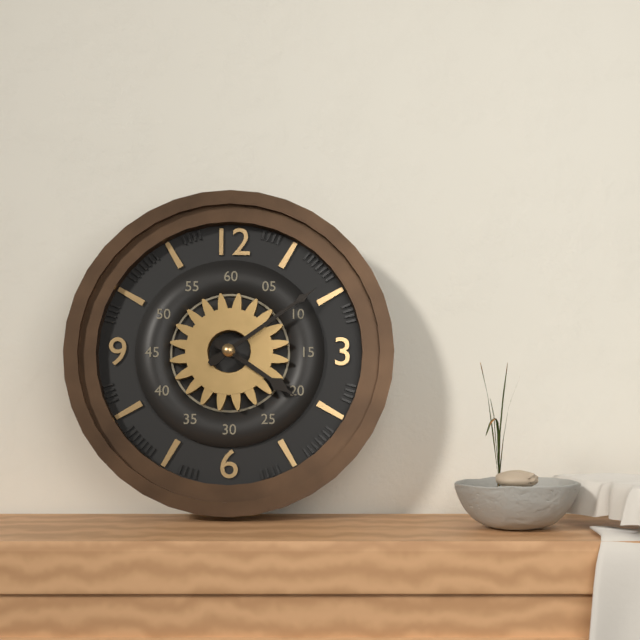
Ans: {"hour": 4, "minute": 9}
